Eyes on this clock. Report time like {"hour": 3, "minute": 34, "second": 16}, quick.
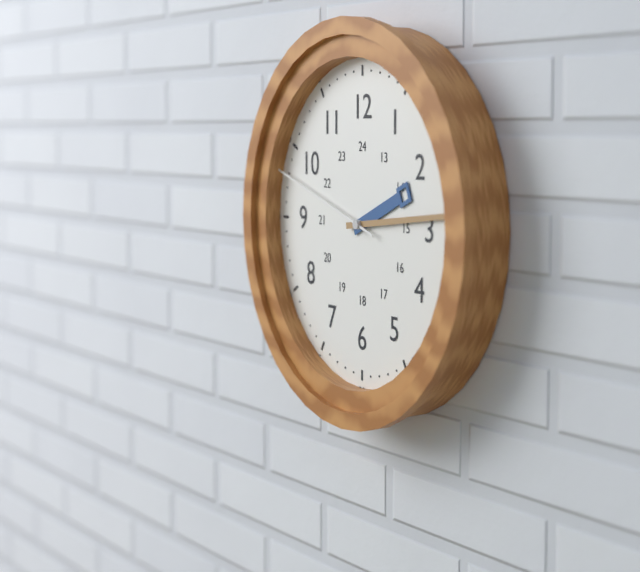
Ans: {"hour": 2, "minute": 14, "second": 48}
